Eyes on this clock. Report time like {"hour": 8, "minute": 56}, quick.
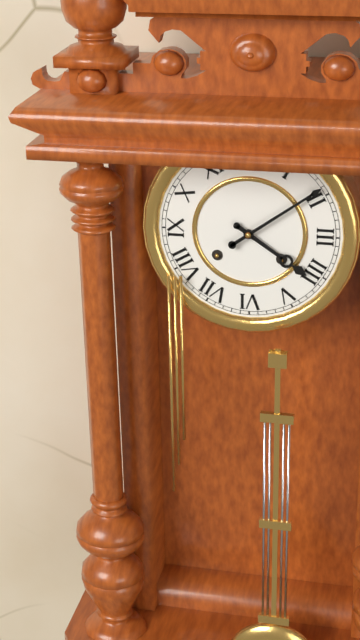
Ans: {"hour": 4, "minute": 9}
